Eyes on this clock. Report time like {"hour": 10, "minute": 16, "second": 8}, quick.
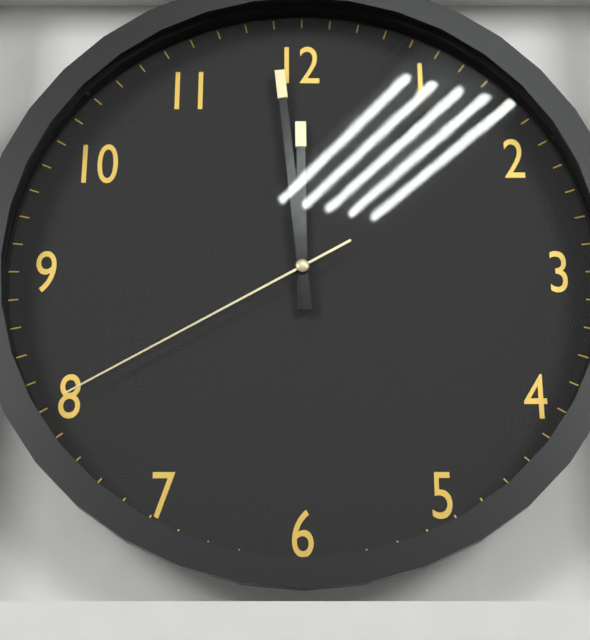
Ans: {"hour": 11, "minute": 59, "second": 40}
